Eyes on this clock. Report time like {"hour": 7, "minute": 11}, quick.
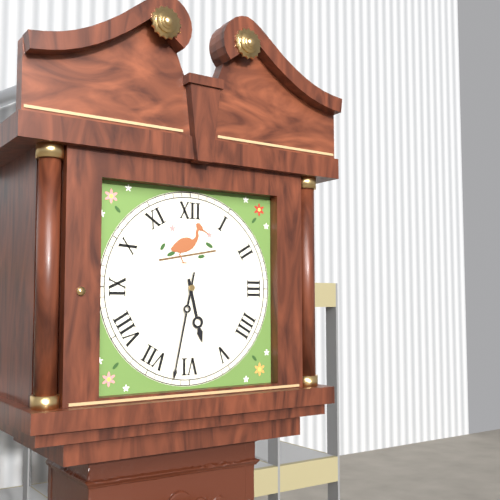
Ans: {"hour": 5, "minute": 32}
